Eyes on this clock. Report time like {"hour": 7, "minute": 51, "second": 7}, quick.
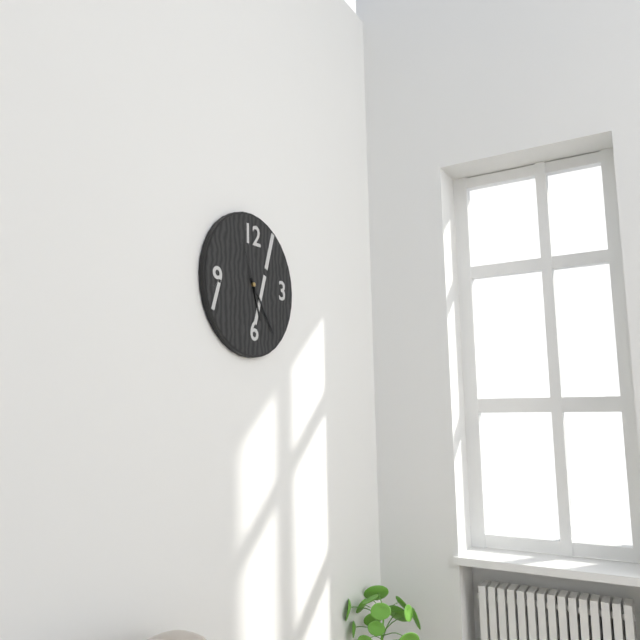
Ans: {"hour": 5, "minute": 24, "second": 56}
